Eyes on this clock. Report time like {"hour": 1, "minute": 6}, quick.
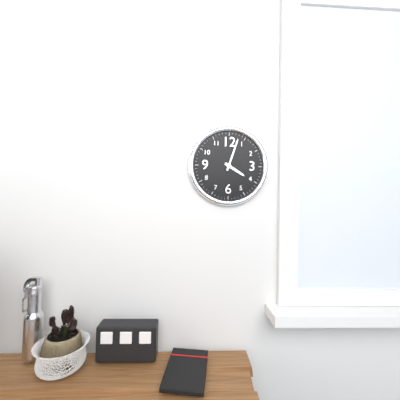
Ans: {"hour": 4, "minute": 3}
